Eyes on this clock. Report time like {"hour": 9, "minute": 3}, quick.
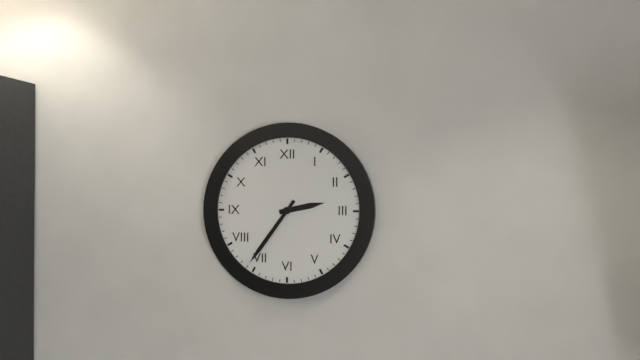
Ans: {"hour": 2, "minute": 36}
